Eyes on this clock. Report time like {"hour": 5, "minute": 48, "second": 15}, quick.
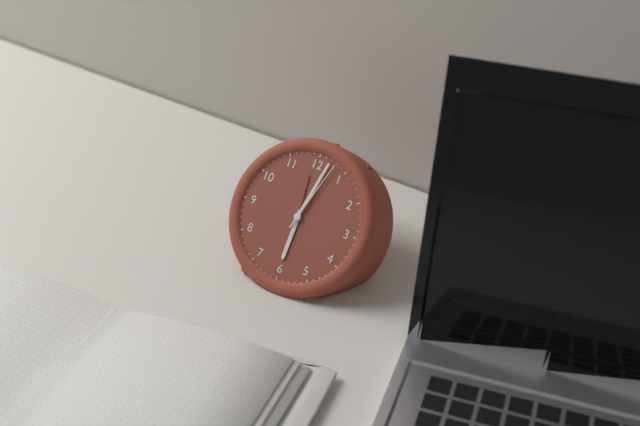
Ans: {"hour": 6, "minute": 2, "second": 3}
